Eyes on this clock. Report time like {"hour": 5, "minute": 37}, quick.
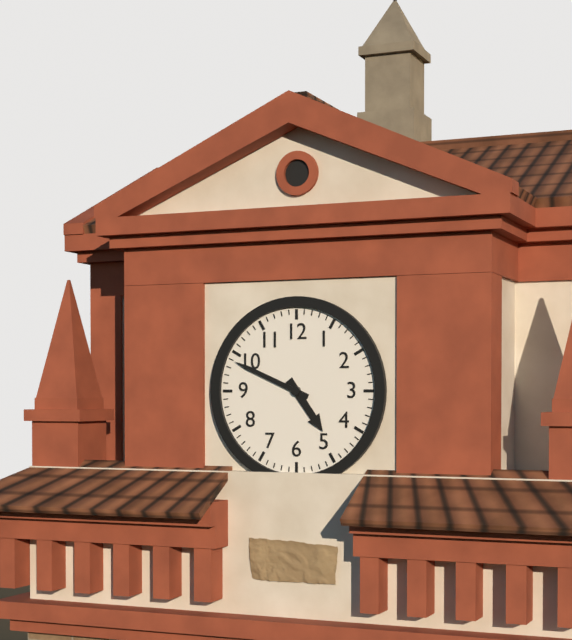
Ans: {"hour": 4, "minute": 49}
